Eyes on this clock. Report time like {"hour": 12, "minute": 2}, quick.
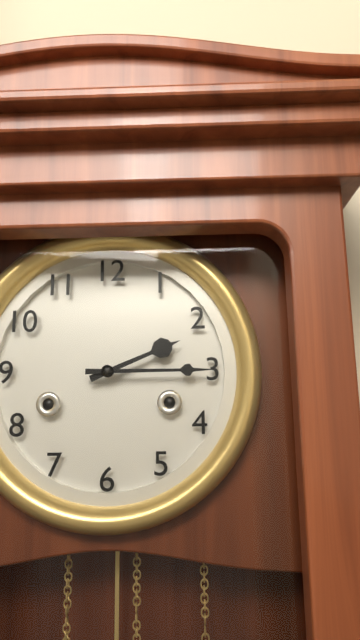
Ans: {"hour": 2, "minute": 15}
